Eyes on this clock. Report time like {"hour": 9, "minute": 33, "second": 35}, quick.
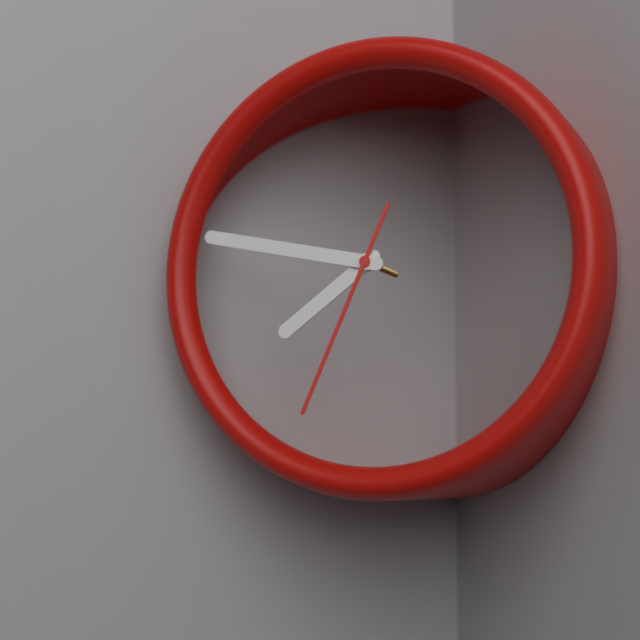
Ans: {"hour": 7, "minute": 47, "second": 34}
